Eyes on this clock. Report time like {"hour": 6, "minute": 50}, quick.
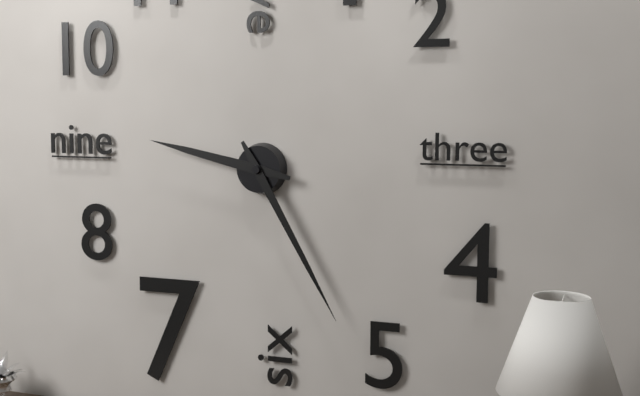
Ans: {"hour": 9, "minute": 25}
